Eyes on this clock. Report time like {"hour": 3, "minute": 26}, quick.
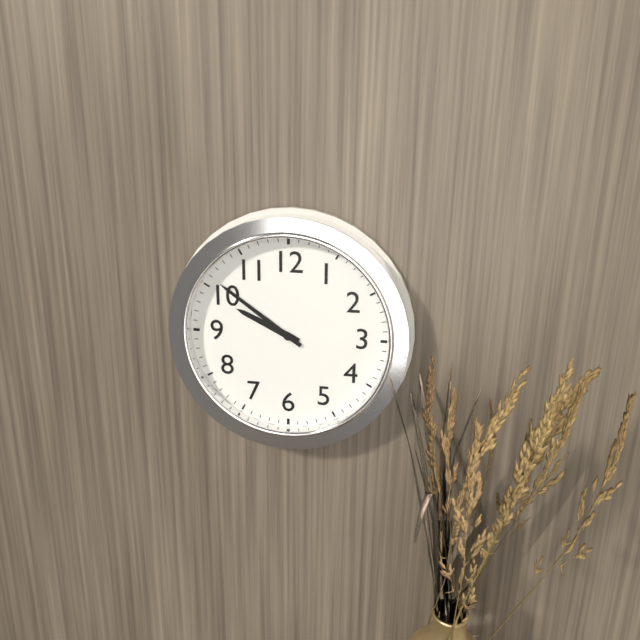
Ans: {"hour": 9, "minute": 51}
